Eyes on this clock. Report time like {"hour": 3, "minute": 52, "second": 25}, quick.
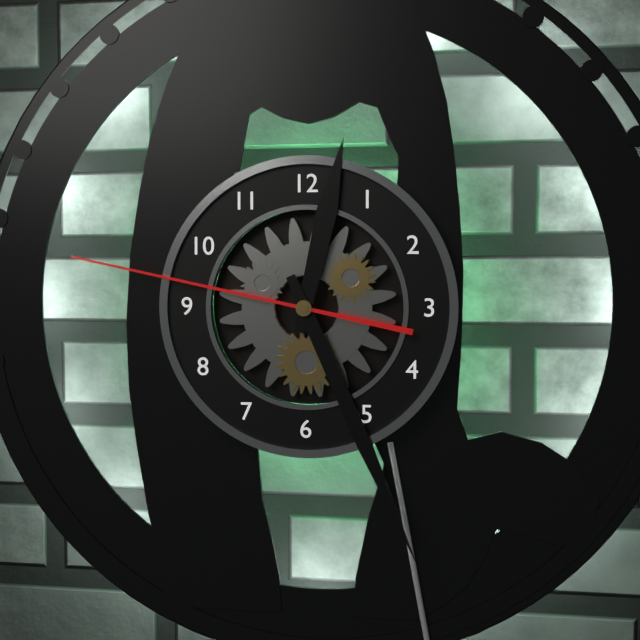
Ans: {"hour": 12, "minute": 26, "second": 47}
